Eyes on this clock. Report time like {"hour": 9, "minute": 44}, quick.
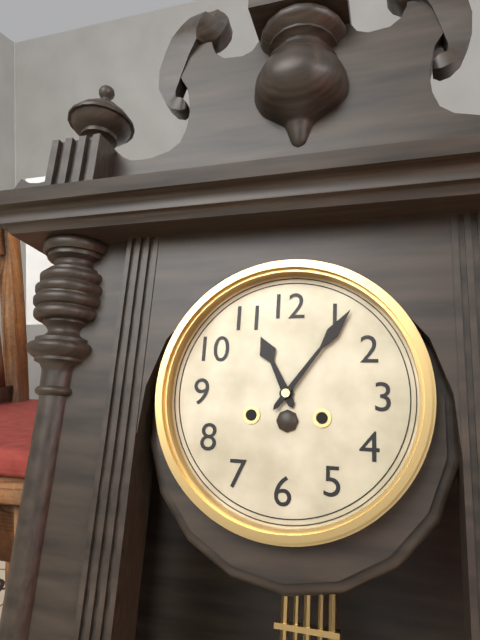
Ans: {"hour": 11, "minute": 6}
